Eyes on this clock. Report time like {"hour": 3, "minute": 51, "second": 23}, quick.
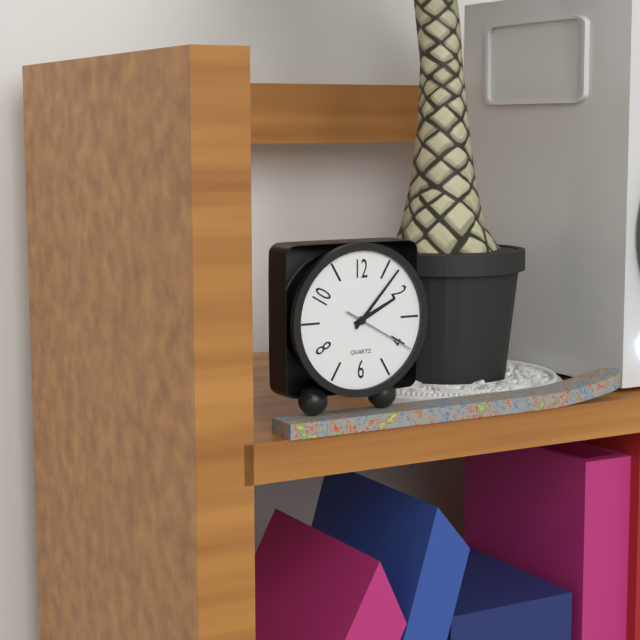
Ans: {"hour": 2, "minute": 7, "second": 20}
